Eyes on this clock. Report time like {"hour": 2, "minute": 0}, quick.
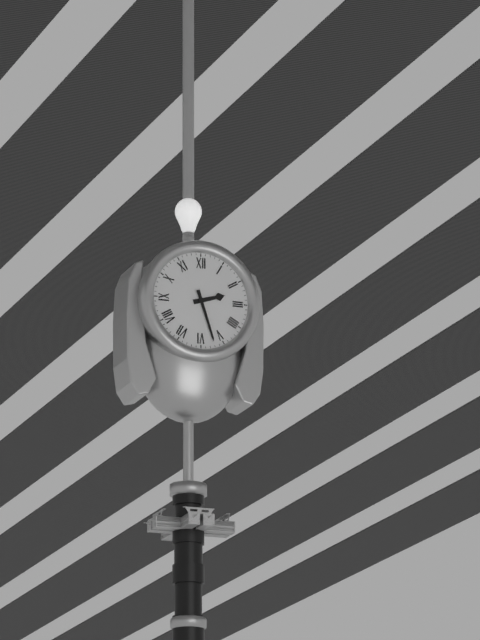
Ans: {"hour": 2, "minute": 27}
